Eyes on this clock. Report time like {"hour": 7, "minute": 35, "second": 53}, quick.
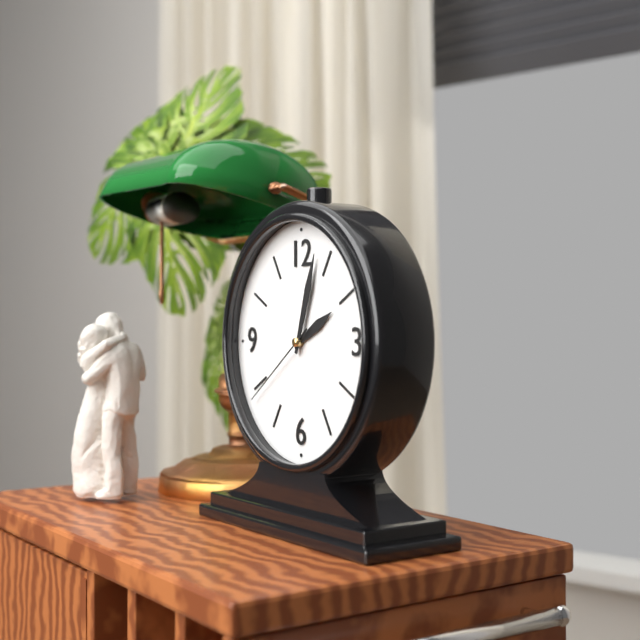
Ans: {"hour": 2, "minute": 3, "second": 39}
